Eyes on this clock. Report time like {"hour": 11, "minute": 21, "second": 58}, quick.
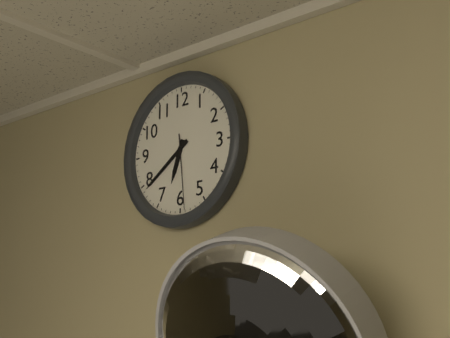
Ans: {"hour": 6, "minute": 39, "second": 29}
